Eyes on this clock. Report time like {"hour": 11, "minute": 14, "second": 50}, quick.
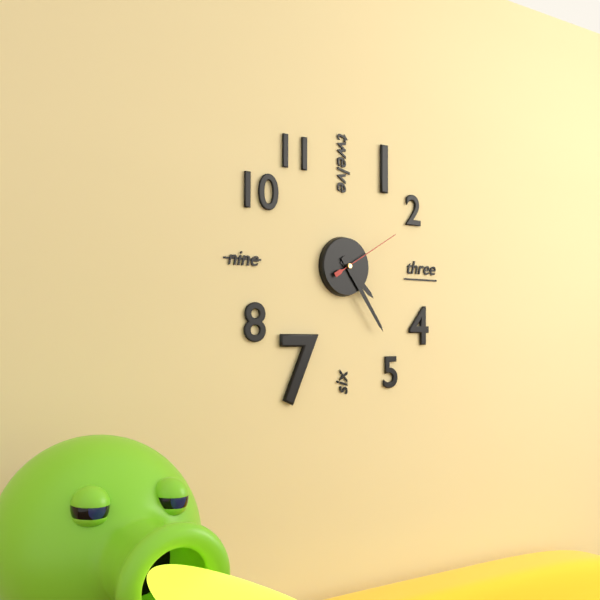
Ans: {"hour": 4, "minute": 24, "second": 10}
